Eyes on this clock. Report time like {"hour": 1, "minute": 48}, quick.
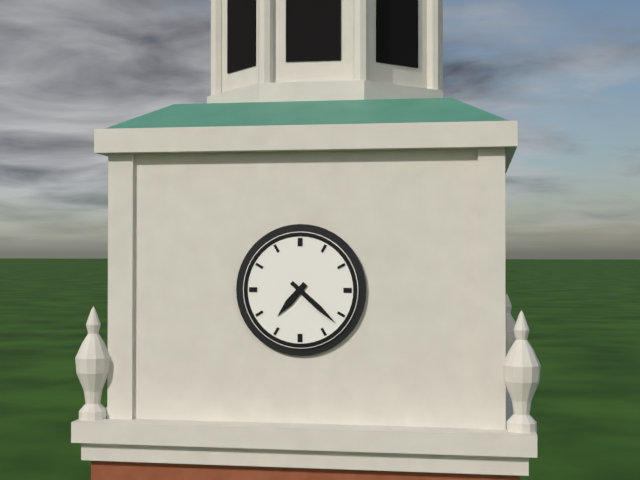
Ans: {"hour": 7, "minute": 22}
